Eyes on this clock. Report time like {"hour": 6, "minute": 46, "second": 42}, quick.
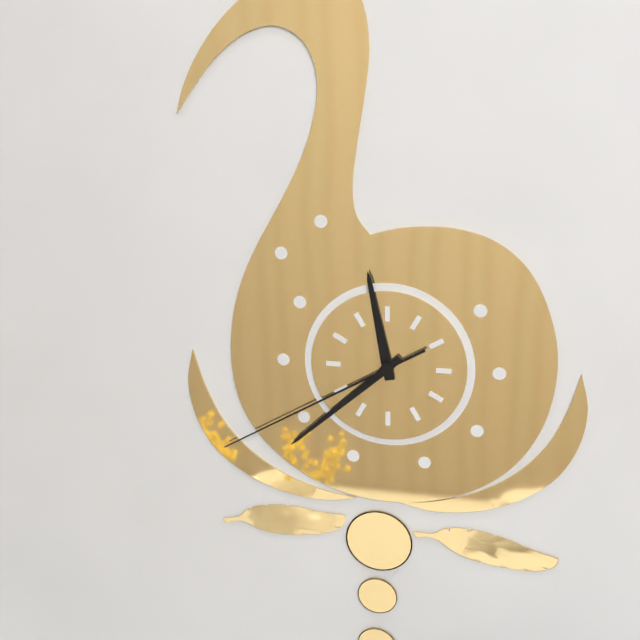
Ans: {"hour": 11, "minute": 38, "second": 40}
